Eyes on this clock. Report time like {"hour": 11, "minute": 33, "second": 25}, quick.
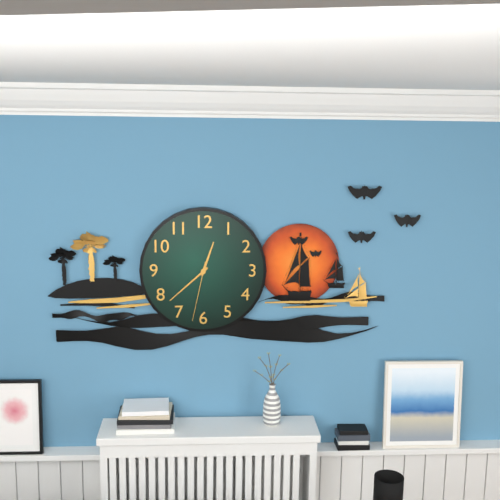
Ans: {"hour": 12, "minute": 38, "second": 32}
